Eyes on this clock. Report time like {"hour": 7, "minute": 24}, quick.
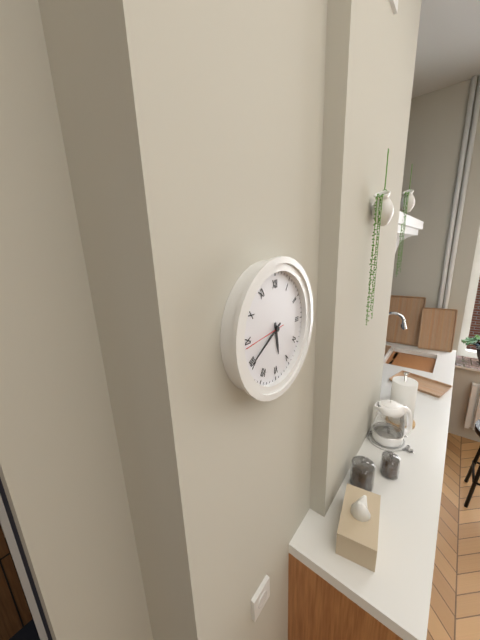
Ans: {"hour": 5, "minute": 40}
